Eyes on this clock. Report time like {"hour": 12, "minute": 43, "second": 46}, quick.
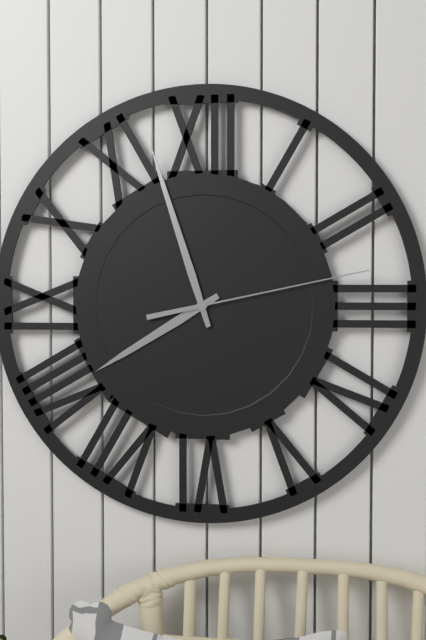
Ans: {"hour": 7, "minute": 57, "second": 13}
